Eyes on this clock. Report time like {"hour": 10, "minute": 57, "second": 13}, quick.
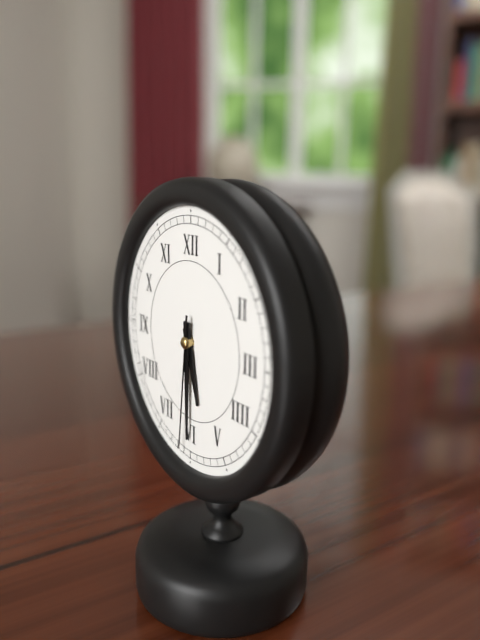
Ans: {"hour": 5, "minute": 30, "second": 31}
